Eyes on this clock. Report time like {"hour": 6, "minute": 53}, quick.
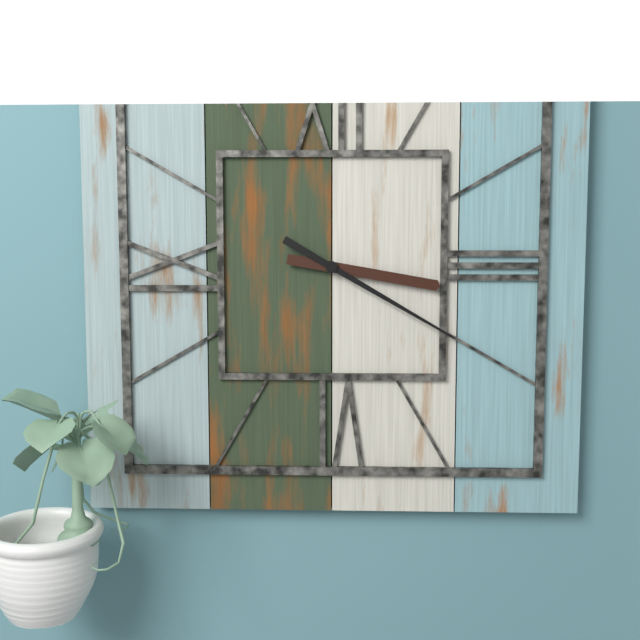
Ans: {"hour": 3, "minute": 20}
